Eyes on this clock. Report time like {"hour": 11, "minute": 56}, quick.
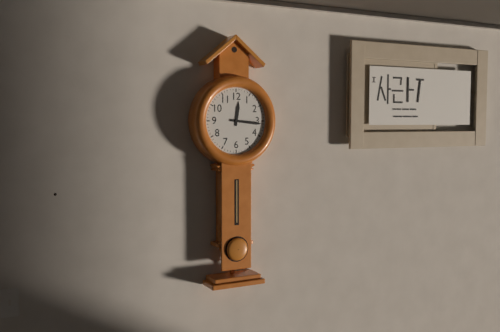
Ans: {"hour": 12, "minute": 16}
